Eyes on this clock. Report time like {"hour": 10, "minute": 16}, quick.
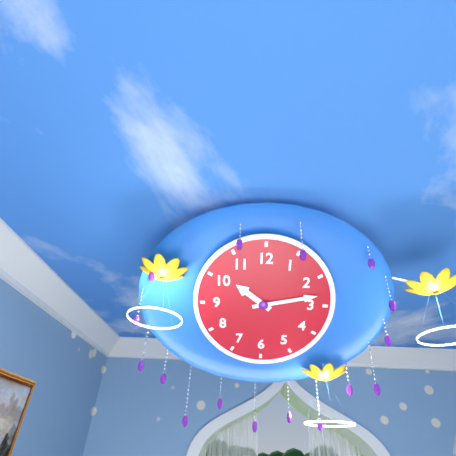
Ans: {"hour": 10, "minute": 13}
